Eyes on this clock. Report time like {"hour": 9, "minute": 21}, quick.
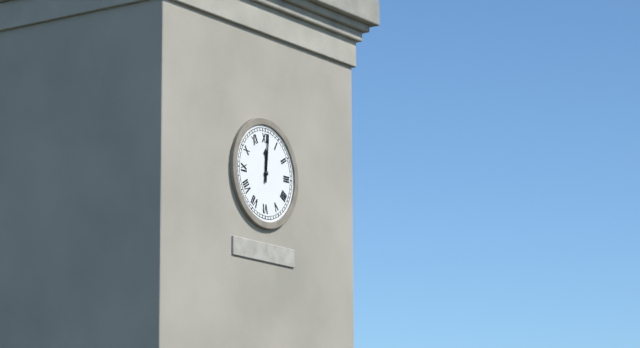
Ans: {"hour": 12, "minute": 1}
